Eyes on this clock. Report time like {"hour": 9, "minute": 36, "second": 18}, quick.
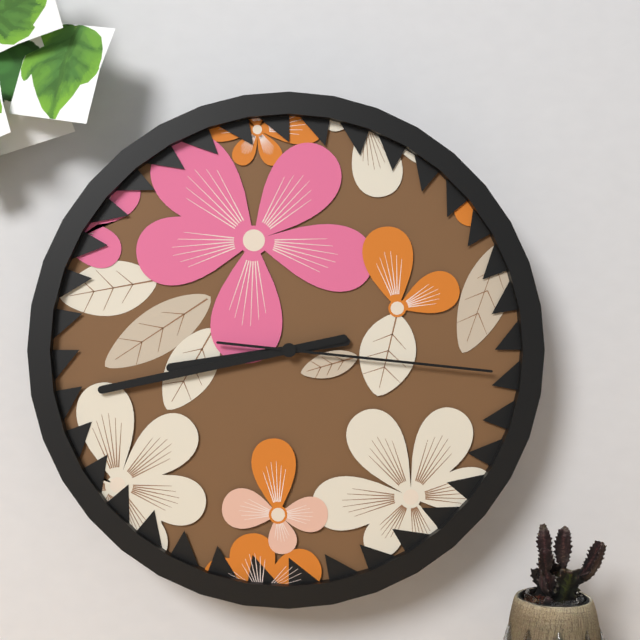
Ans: {"hour": 8, "minute": 43, "second": 16}
